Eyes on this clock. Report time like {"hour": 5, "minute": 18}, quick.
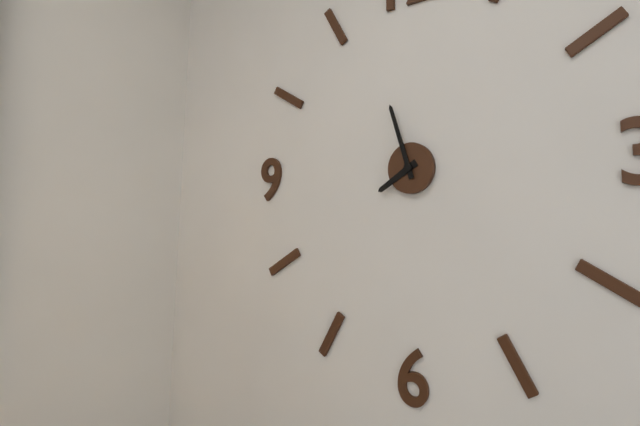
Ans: {"hour": 7, "minute": 57}
